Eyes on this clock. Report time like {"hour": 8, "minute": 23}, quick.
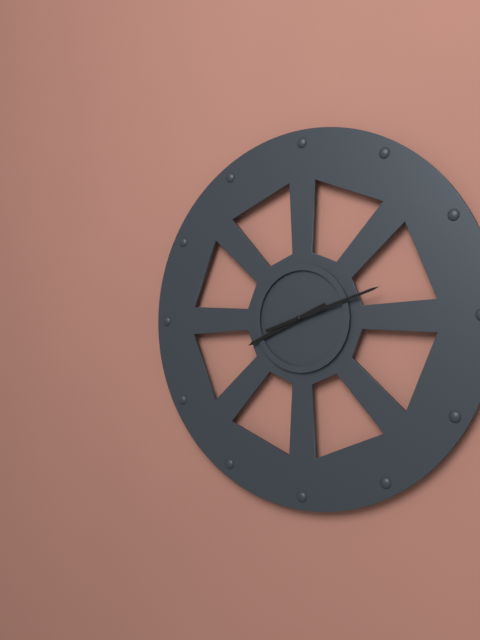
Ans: {"hour": 8, "minute": 12}
